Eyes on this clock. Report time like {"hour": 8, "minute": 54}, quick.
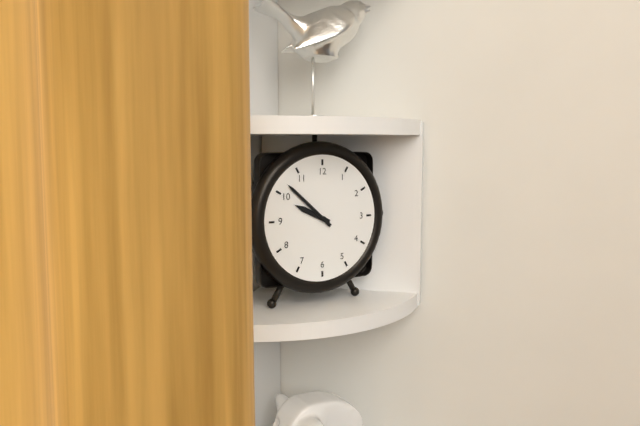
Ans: {"hour": 9, "minute": 52}
